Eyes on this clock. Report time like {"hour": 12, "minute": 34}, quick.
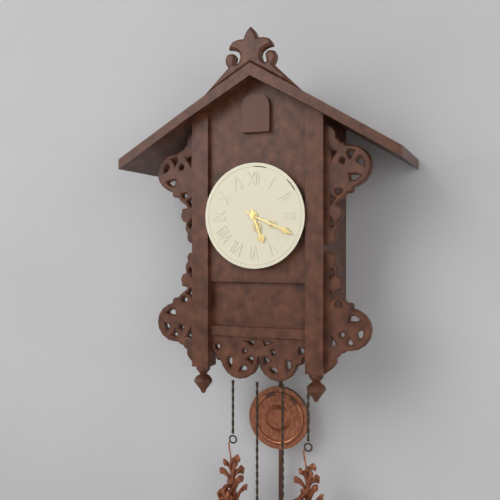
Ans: {"hour": 5, "minute": 19}
